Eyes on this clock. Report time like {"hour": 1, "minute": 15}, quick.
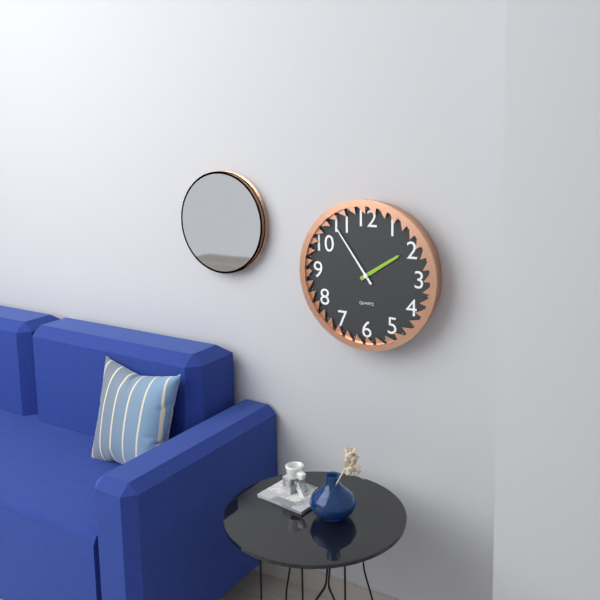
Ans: {"hour": 1, "minute": 54}
